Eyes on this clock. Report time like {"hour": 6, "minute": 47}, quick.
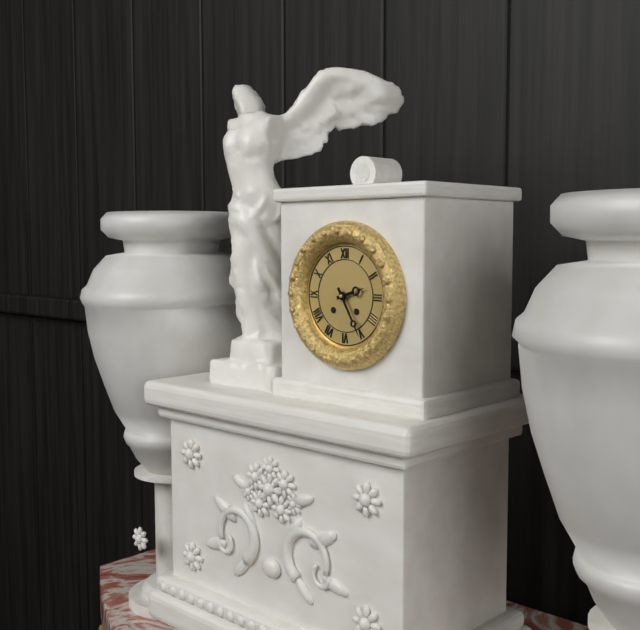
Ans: {"hour": 2, "minute": 25}
